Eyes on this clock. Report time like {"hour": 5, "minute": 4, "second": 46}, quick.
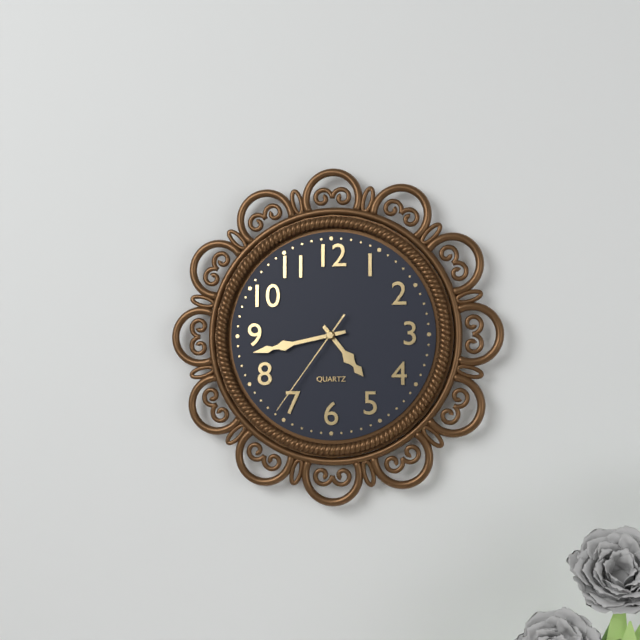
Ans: {"hour": 4, "minute": 43, "second": 36}
